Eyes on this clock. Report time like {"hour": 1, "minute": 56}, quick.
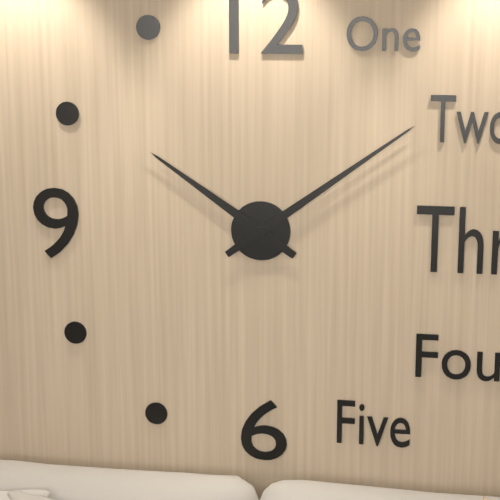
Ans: {"hour": 10, "minute": 9}
